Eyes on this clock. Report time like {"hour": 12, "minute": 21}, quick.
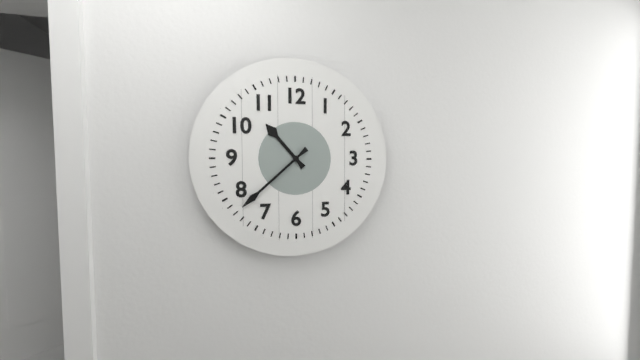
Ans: {"hour": 10, "minute": 38}
